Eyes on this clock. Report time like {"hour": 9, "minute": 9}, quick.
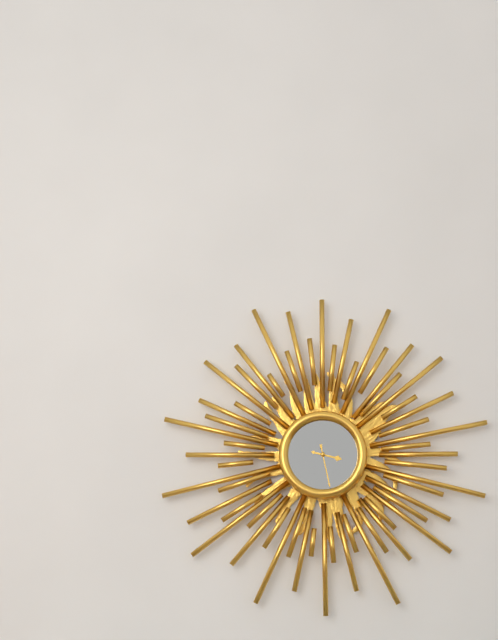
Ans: {"hour": 3, "minute": 28}
